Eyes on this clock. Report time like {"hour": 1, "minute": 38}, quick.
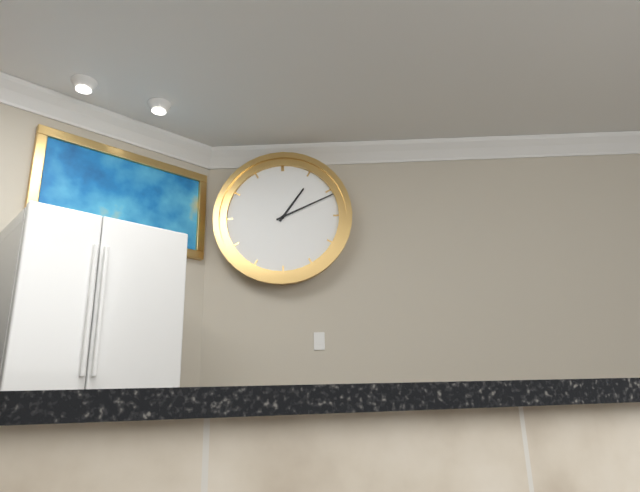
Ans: {"hour": 1, "minute": 11}
